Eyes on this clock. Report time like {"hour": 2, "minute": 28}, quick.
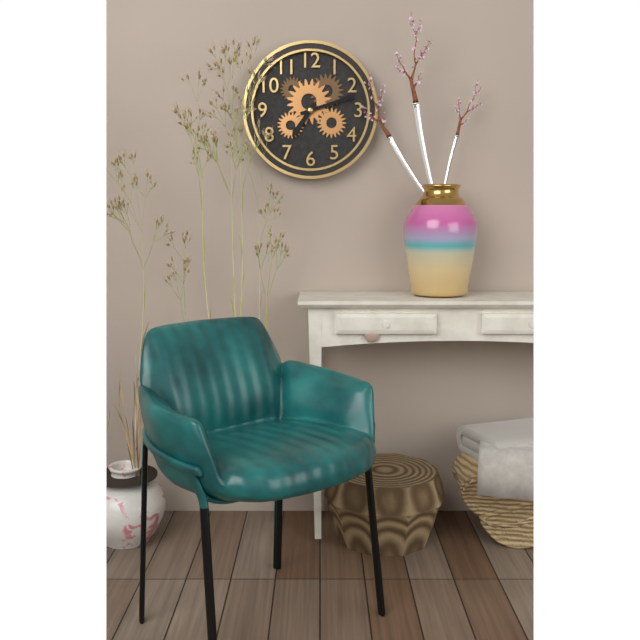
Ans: {"hour": 7, "minute": 12}
